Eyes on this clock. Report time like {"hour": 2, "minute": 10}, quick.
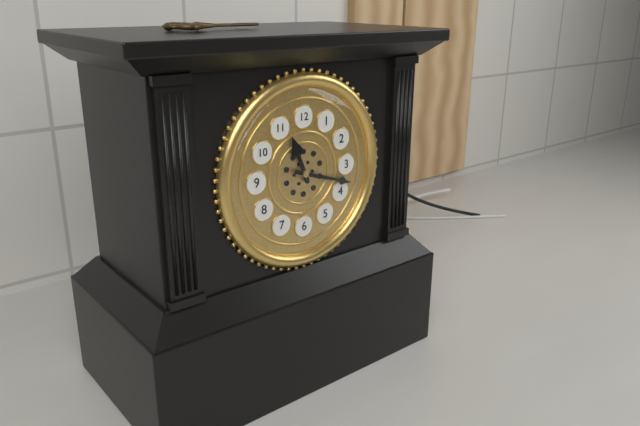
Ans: {"hour": 11, "minute": 18}
